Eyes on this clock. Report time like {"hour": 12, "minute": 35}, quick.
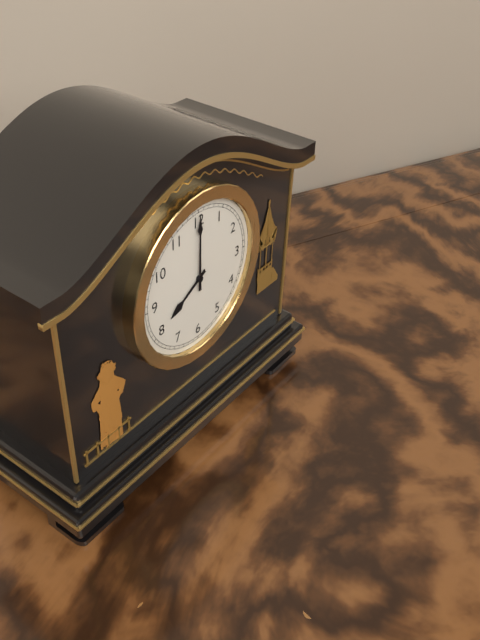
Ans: {"hour": 8, "minute": 0}
